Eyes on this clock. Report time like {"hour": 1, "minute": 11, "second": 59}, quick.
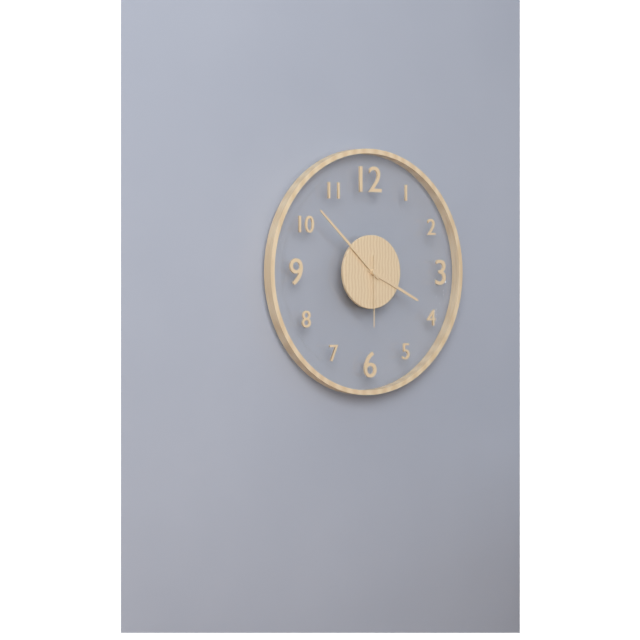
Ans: {"hour": 3, "minute": 52, "second": 30}
